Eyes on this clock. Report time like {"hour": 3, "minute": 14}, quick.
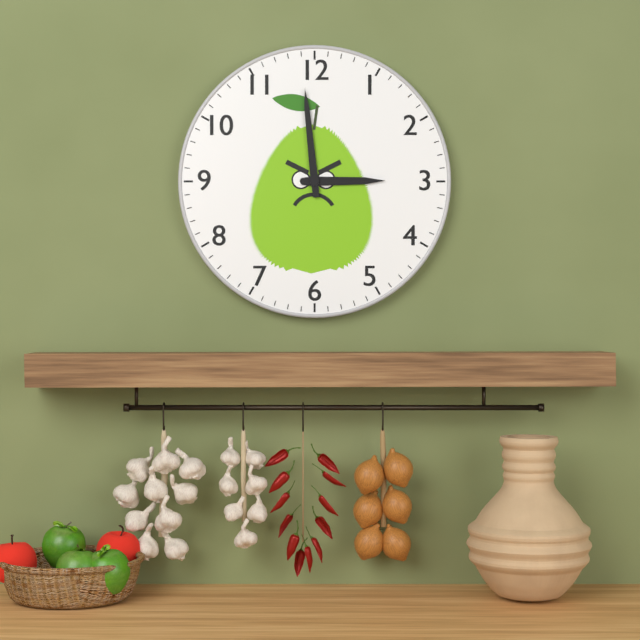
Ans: {"hour": 2, "minute": 59}
